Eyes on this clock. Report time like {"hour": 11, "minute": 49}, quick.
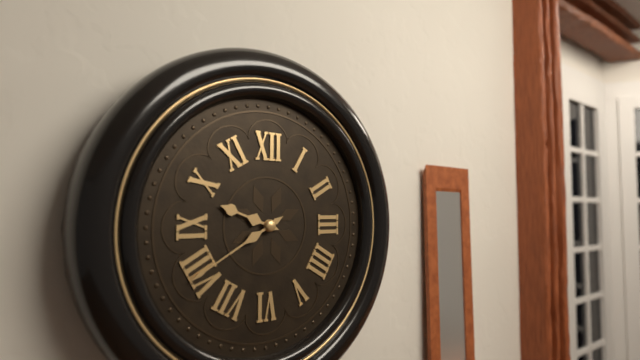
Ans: {"hour": 9, "minute": 40}
